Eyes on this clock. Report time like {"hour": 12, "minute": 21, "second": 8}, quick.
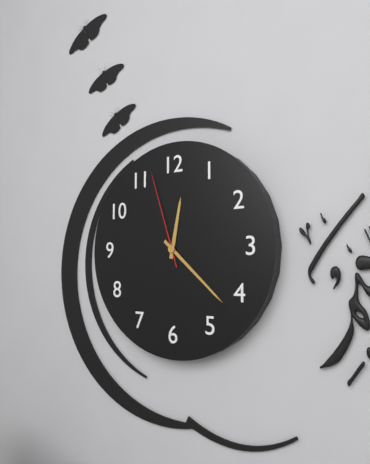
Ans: {"hour": 12, "minute": 22, "second": 57}
